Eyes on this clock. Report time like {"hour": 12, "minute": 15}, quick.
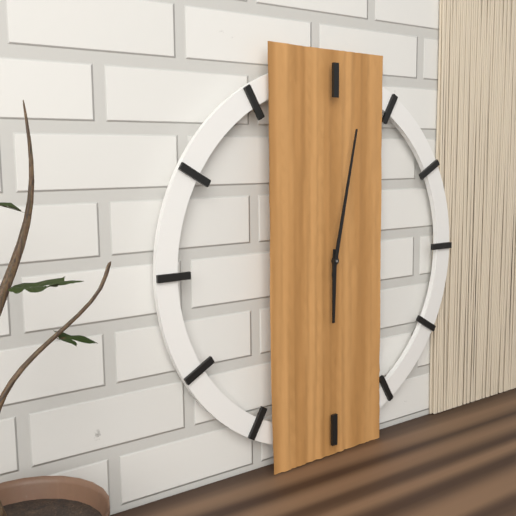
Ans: {"hour": 6, "minute": 2}
